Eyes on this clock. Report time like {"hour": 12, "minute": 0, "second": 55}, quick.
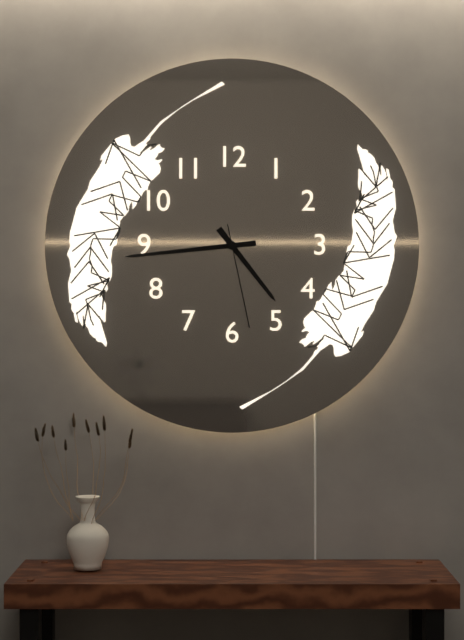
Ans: {"hour": 4, "minute": 44, "second": 28}
